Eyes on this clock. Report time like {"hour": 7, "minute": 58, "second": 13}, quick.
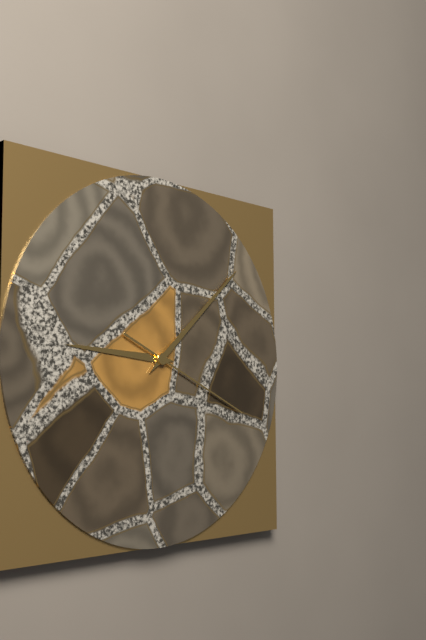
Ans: {"hour": 9, "minute": 8, "second": 19}
